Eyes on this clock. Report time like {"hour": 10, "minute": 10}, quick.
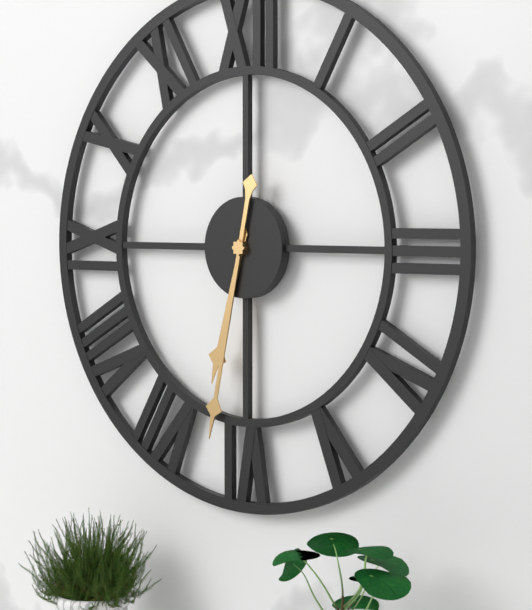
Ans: {"hour": 6, "minute": 32}
